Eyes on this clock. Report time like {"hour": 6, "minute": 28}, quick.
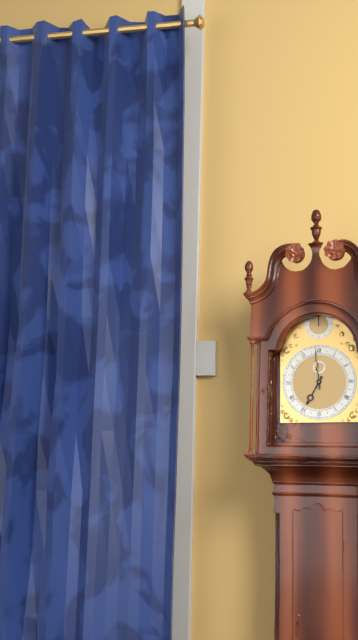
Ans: {"hour": 6, "minute": 59}
